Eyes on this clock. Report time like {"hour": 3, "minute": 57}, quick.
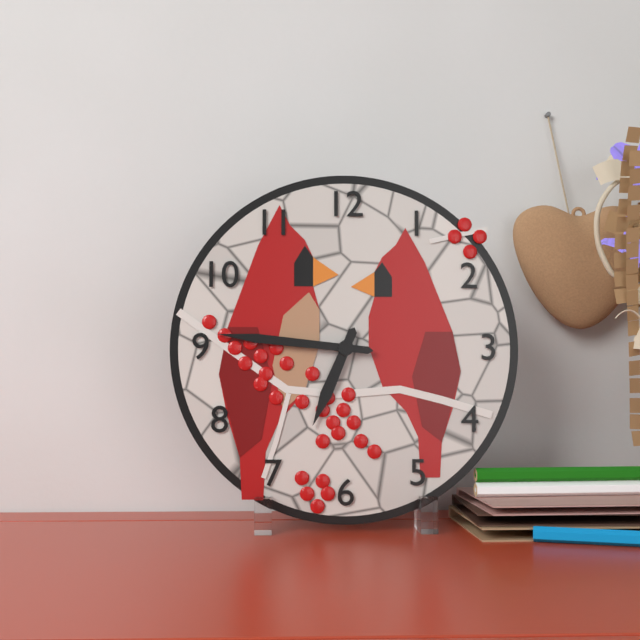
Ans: {"hour": 6, "minute": 46}
